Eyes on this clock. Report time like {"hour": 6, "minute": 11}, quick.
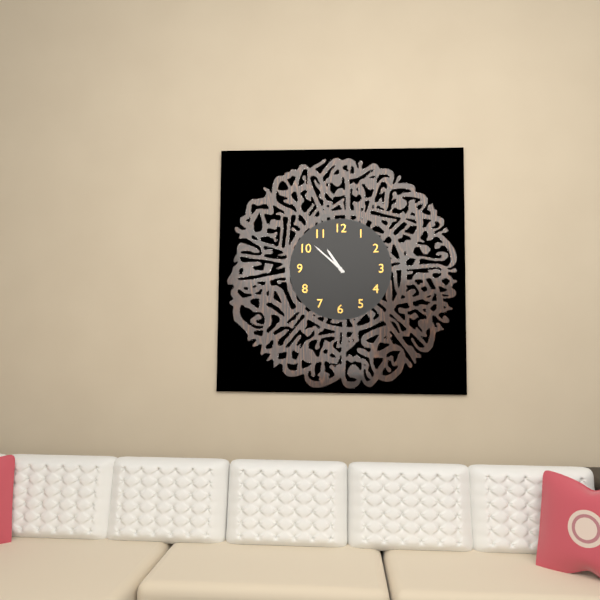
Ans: {"hour": 10, "minute": 52}
